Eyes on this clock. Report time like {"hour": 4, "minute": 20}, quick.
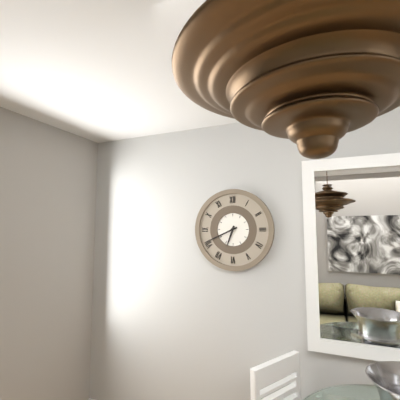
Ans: {"hour": 6, "minute": 41}
